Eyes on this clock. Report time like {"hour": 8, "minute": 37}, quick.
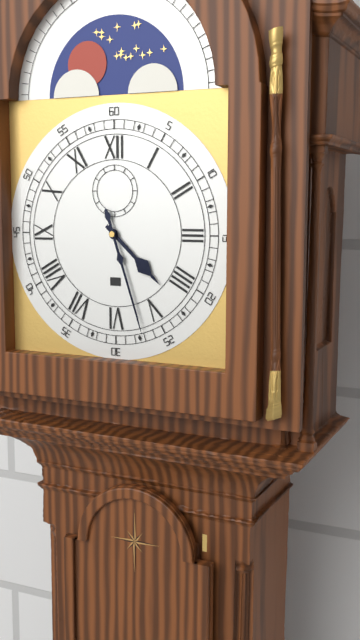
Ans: {"hour": 4, "minute": 27}
